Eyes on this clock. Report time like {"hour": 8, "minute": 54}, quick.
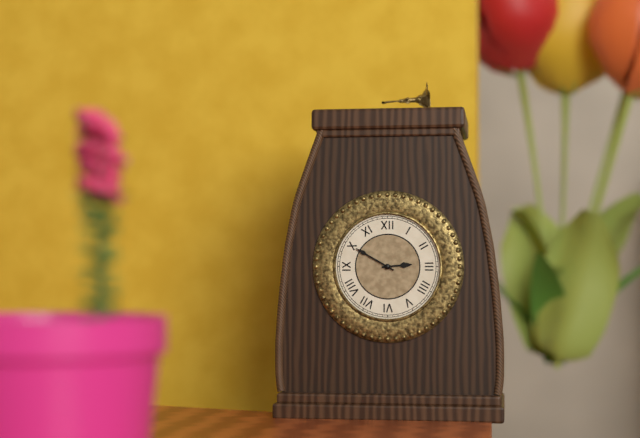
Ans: {"hour": 2, "minute": 50}
